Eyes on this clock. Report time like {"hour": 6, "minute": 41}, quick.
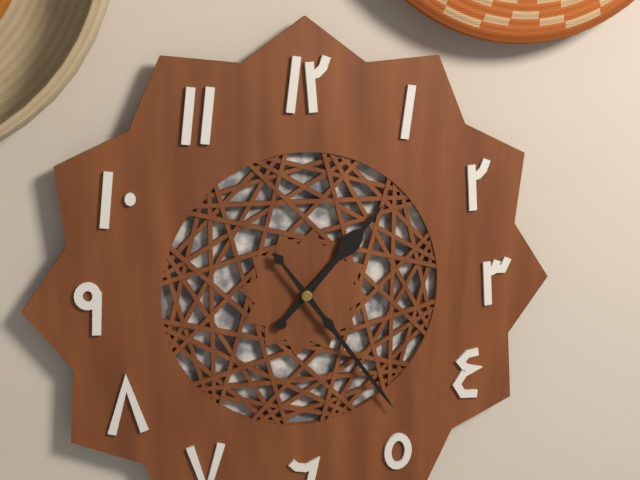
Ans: {"hour": 1, "minute": 24}
